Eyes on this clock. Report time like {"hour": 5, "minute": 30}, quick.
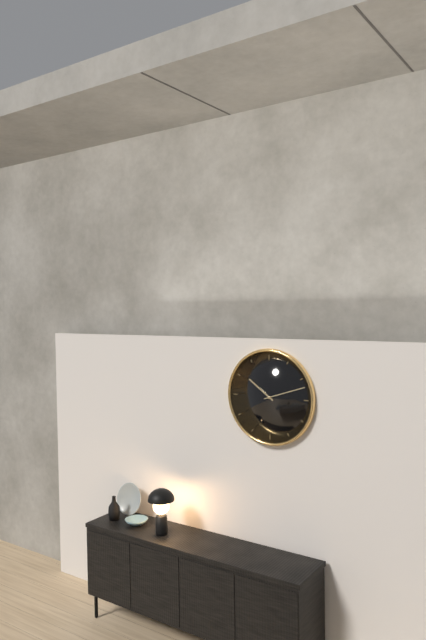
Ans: {"hour": 10, "minute": 12}
